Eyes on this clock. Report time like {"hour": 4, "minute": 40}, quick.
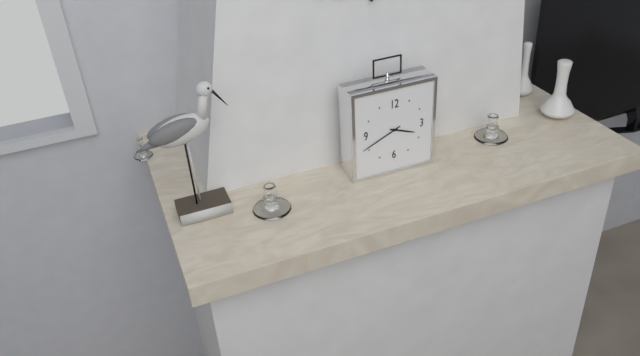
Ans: {"hour": 3, "minute": 41}
